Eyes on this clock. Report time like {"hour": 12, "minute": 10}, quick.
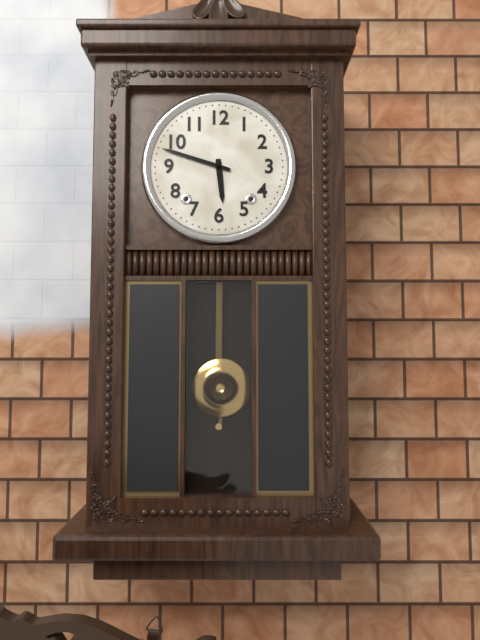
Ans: {"hour": 5, "minute": 48}
